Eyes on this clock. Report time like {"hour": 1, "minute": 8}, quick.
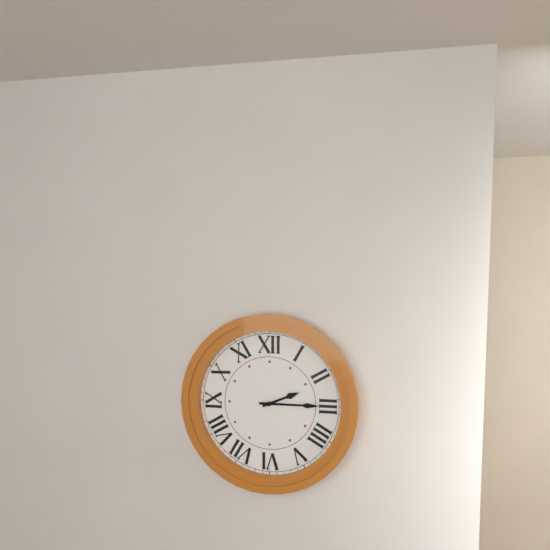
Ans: {"hour": 2, "minute": 15}
